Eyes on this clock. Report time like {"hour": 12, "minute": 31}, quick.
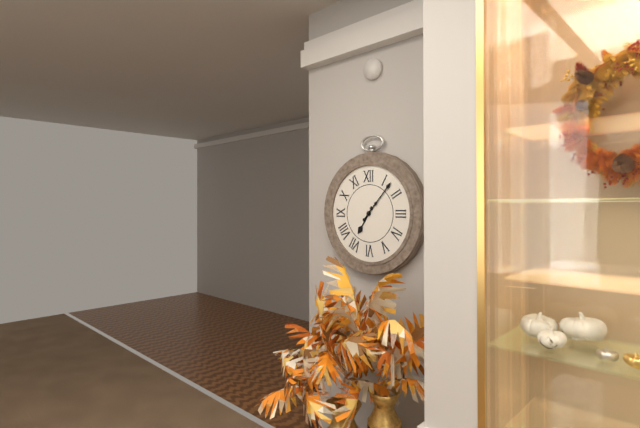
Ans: {"hour": 7, "minute": 7}
